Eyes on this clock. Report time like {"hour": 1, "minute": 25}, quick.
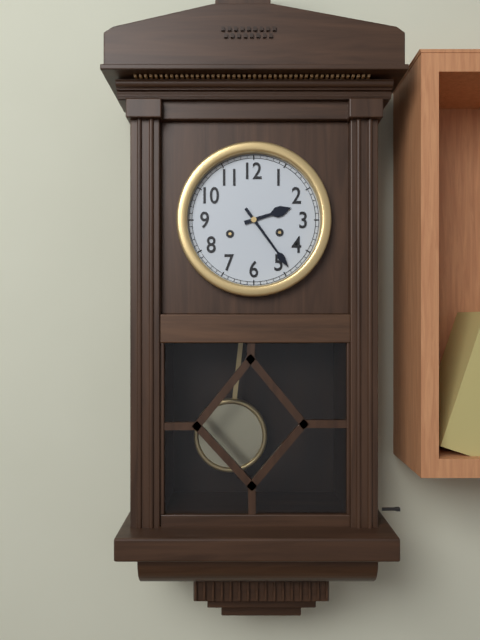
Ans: {"hour": 2, "minute": 24}
